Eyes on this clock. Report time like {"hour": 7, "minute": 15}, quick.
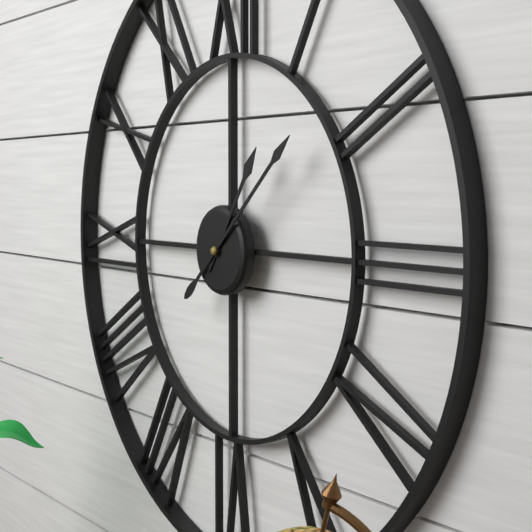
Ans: {"hour": 1, "minute": 8}
